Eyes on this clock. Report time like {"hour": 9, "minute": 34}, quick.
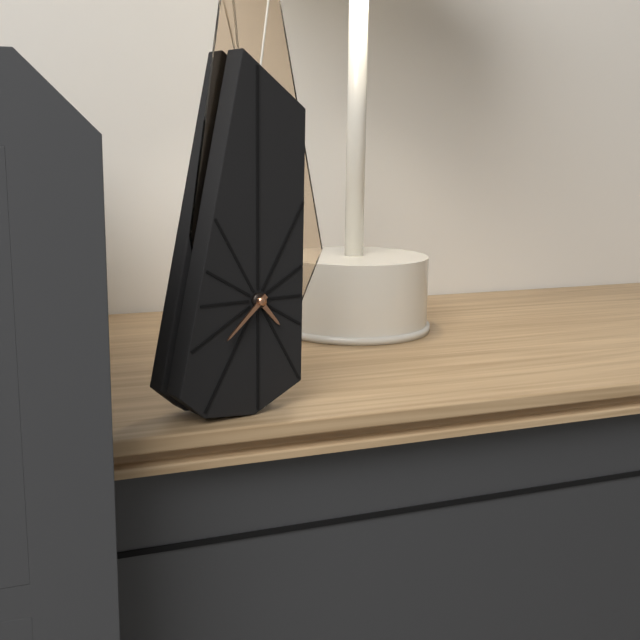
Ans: {"hour": 4, "minute": 38}
